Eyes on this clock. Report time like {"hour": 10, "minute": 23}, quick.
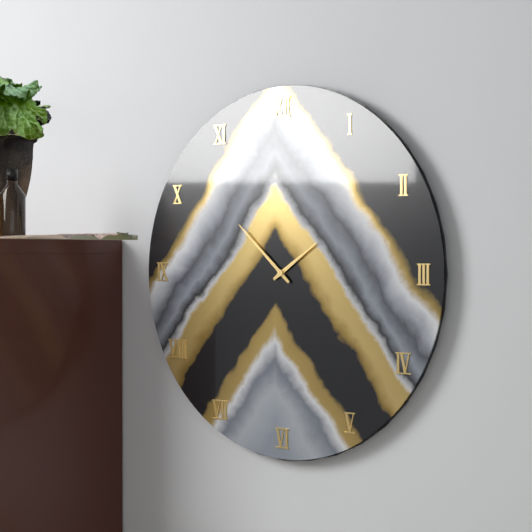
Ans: {"hour": 1, "minute": 52}
